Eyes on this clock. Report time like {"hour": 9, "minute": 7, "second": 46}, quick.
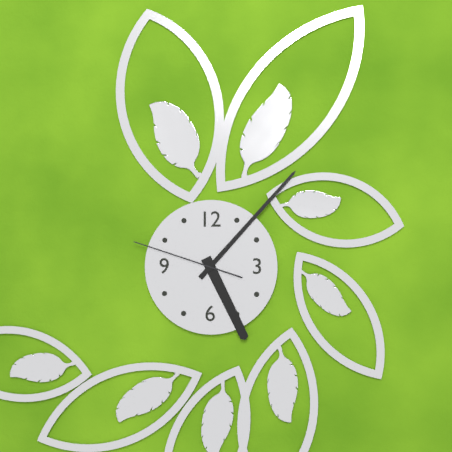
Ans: {"hour": 5, "minute": 7, "second": 48}
